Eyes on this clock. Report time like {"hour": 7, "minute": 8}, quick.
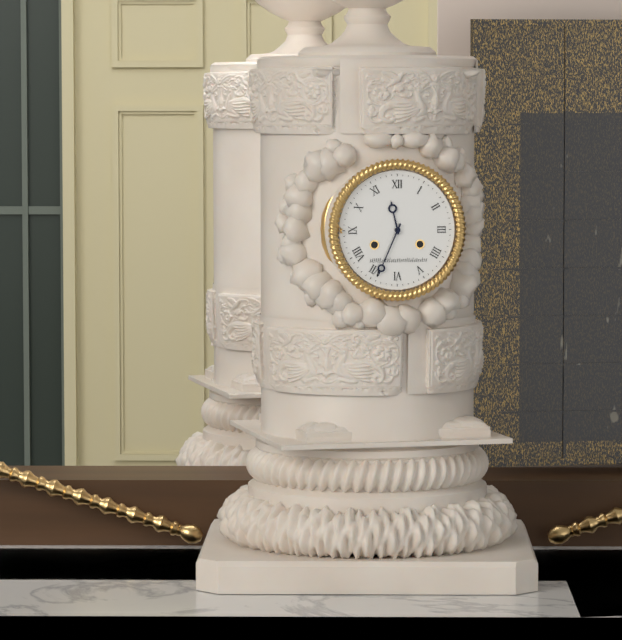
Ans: {"hour": 11, "minute": 34}
